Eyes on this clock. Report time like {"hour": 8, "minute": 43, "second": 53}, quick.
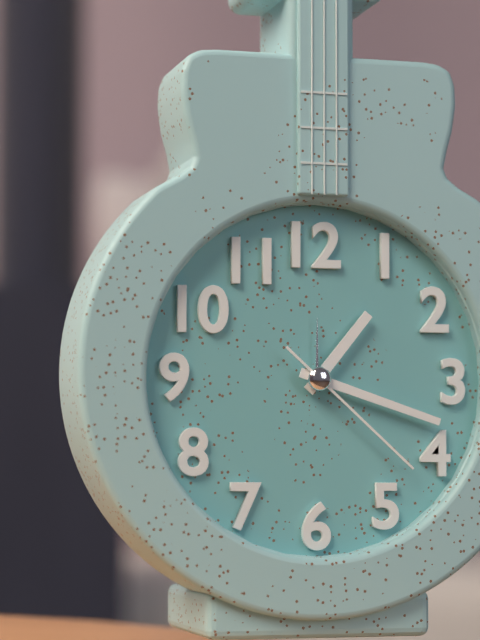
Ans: {"hour": 1, "minute": 18, "second": 22}
